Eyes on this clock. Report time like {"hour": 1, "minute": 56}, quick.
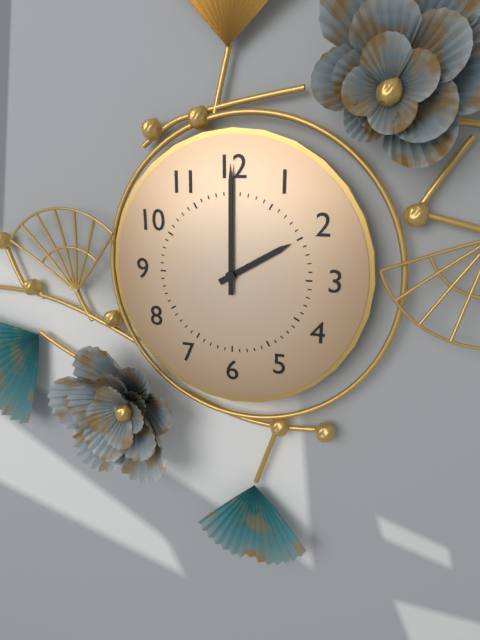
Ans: {"hour": 2, "minute": 0}
